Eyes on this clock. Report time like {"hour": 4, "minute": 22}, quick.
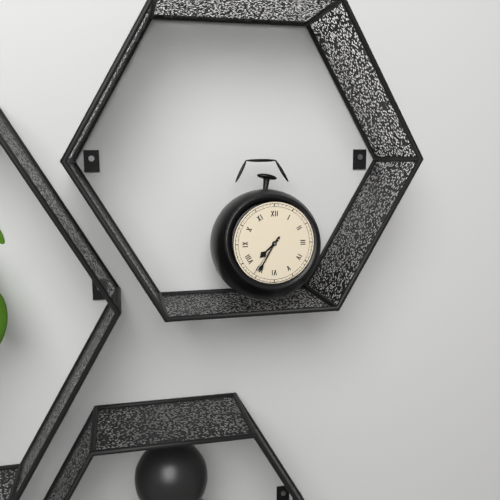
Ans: {"hour": 7, "minute": 35}
